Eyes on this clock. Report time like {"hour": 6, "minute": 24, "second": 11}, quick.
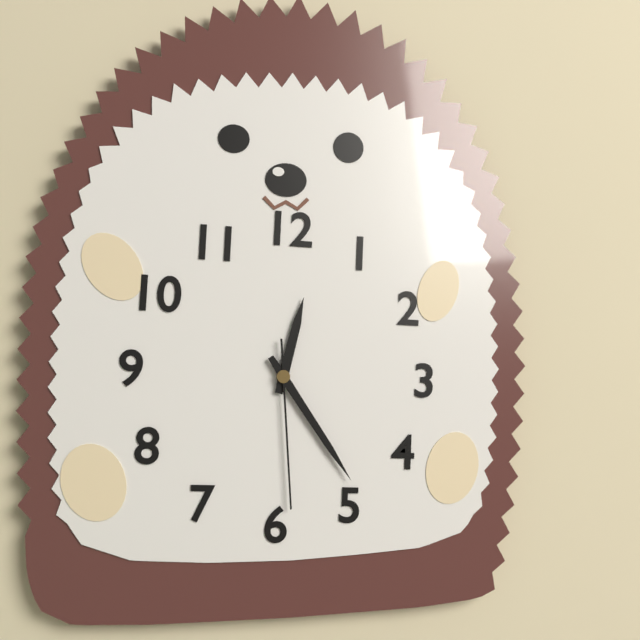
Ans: {"hour": 12, "minute": 24, "second": 29}
